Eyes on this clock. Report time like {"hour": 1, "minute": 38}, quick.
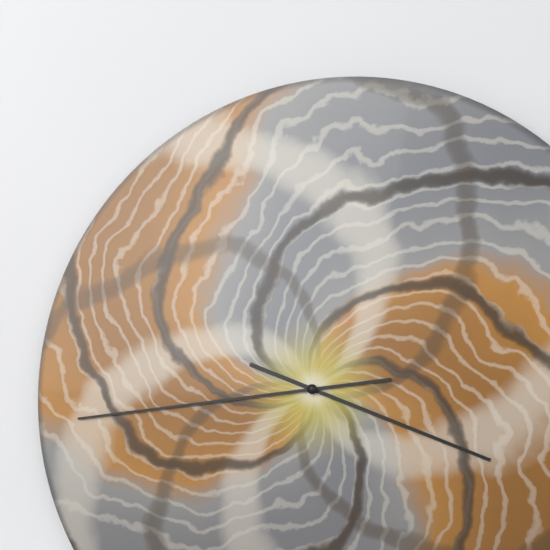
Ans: {"hour": 3, "minute": 44}
